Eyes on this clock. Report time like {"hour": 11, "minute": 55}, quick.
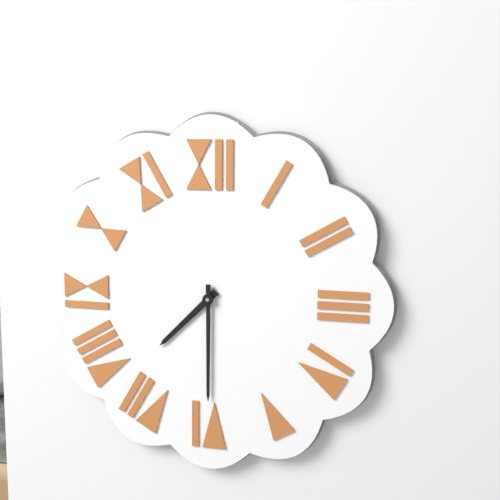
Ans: {"hour": 7, "minute": 30}
